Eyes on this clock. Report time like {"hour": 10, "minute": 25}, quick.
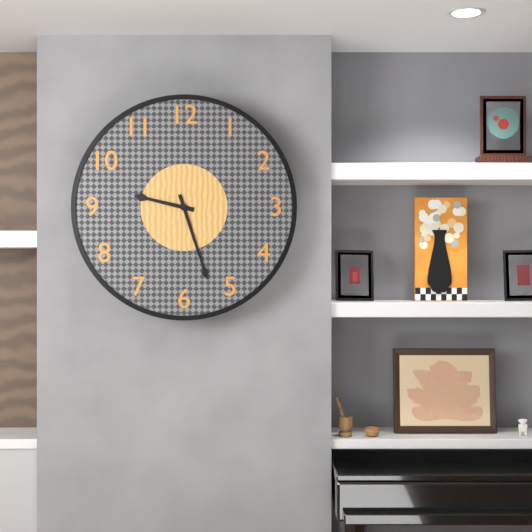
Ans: {"hour": 9, "minute": 27}
